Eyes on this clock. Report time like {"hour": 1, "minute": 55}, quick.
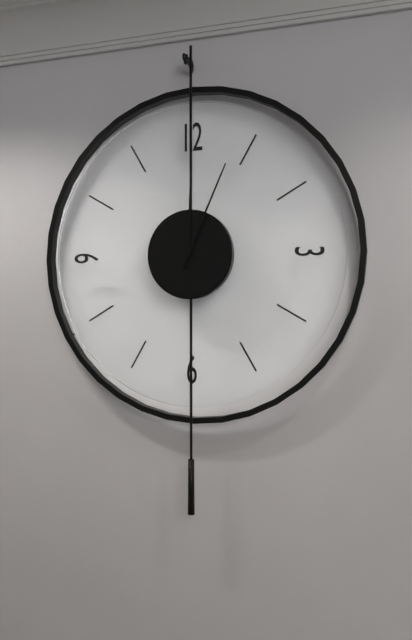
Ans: {"hour": 12, "minute": 4}
